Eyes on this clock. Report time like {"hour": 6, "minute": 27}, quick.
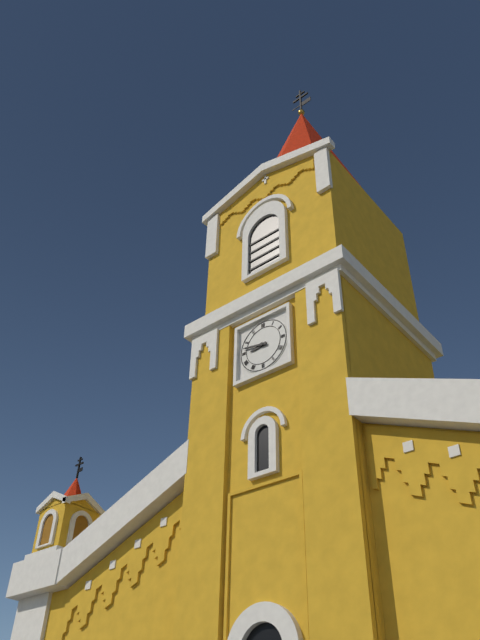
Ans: {"hour": 8, "minute": 47}
